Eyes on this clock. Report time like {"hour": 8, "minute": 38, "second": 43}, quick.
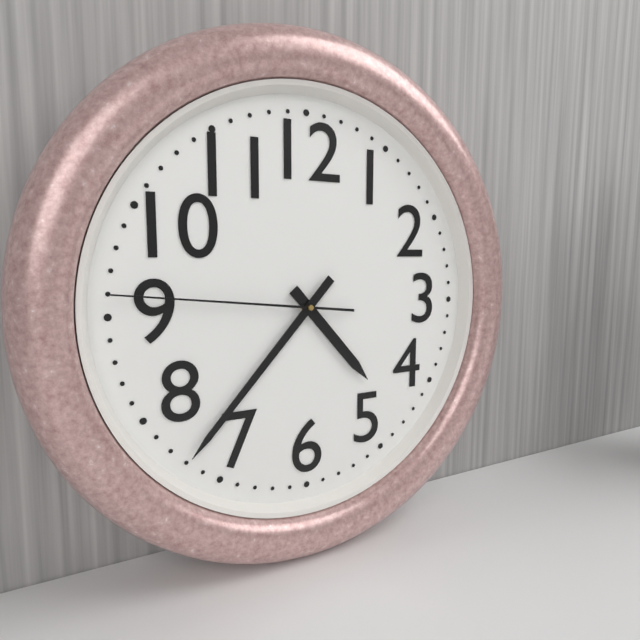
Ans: {"hour": 4, "minute": 37, "second": 46}
